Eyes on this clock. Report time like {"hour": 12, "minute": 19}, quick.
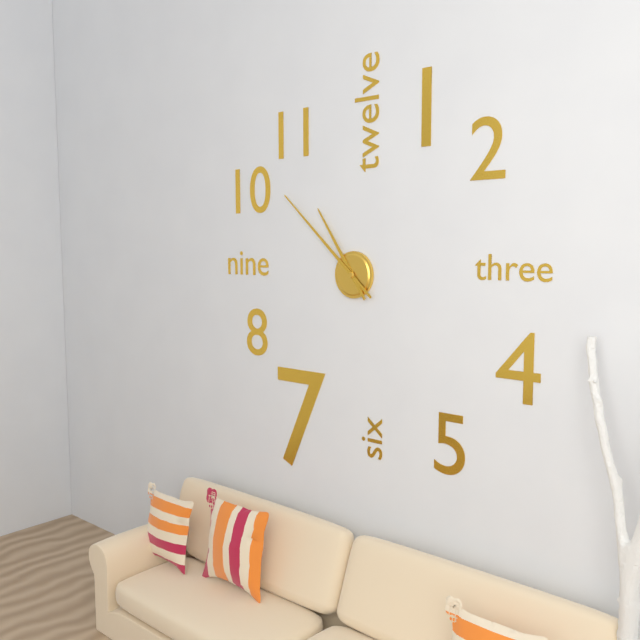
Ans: {"hour": 10, "minute": 52}
